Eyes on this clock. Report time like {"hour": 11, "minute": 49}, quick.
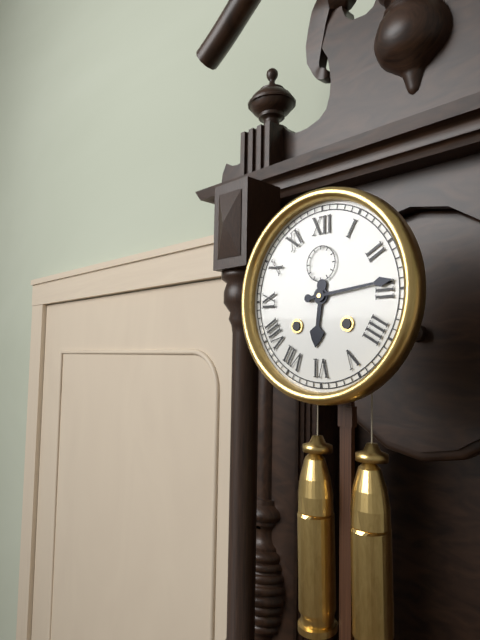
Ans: {"hour": 6, "minute": 14}
